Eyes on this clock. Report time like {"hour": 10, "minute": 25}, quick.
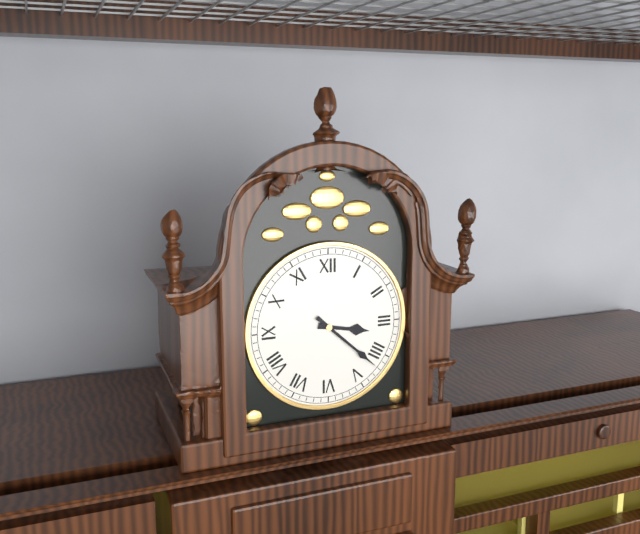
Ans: {"hour": 3, "minute": 22}
